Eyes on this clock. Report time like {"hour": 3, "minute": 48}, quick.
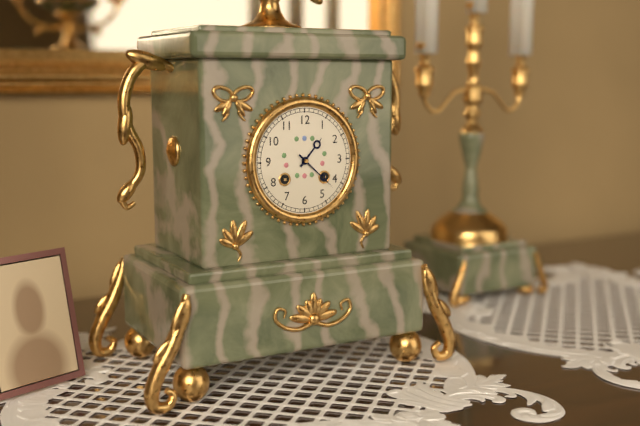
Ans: {"hour": 1, "minute": 22}
